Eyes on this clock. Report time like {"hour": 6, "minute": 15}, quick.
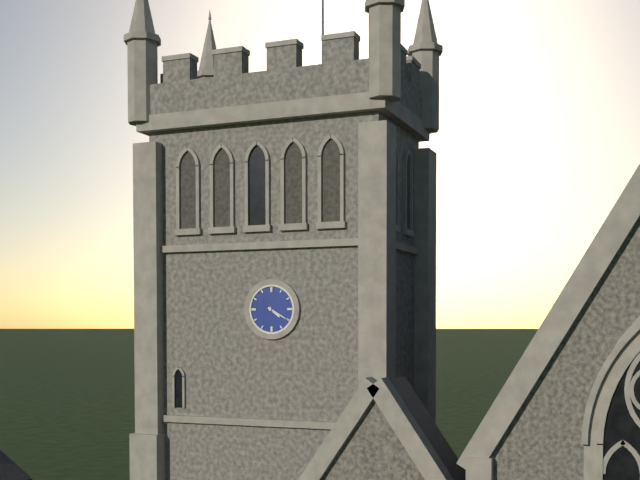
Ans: {"hour": 4, "minute": 20}
